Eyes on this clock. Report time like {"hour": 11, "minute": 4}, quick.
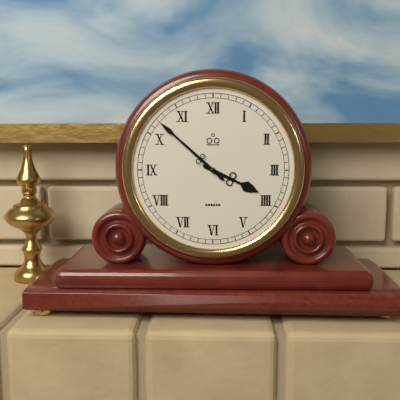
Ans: {"hour": 3, "minute": 52}
